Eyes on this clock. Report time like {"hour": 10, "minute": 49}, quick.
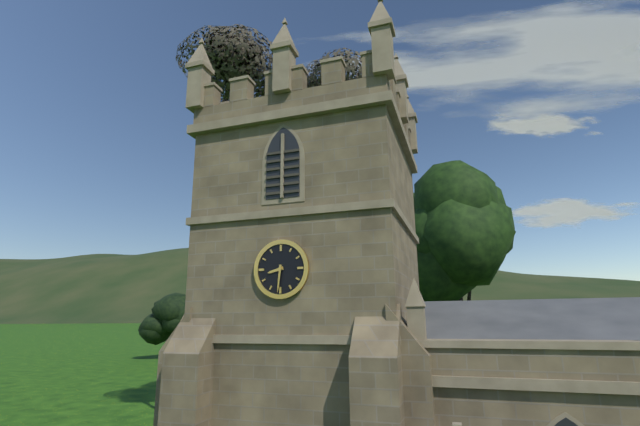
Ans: {"hour": 8, "minute": 31}
